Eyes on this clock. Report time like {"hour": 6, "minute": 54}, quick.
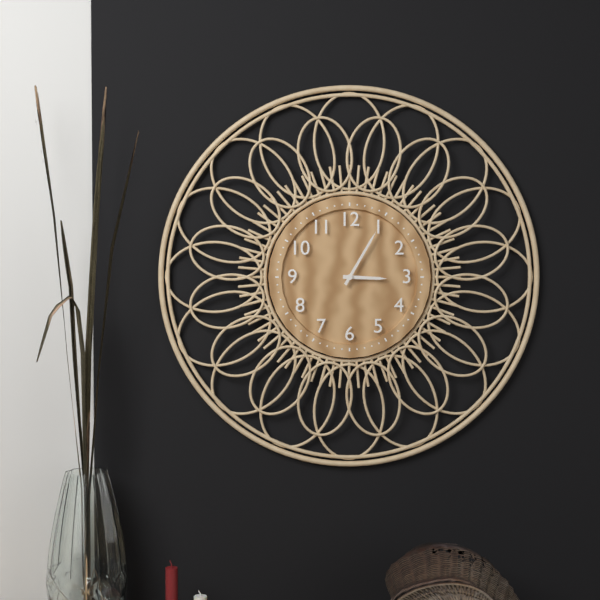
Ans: {"hour": 3, "minute": 5}
